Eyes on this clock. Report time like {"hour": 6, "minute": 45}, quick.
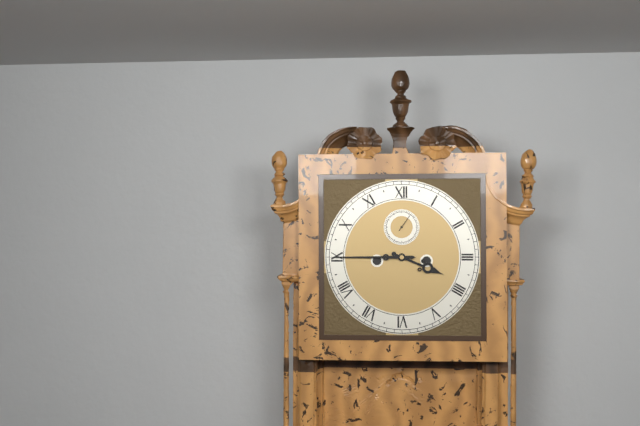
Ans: {"hour": 3, "minute": 45}
